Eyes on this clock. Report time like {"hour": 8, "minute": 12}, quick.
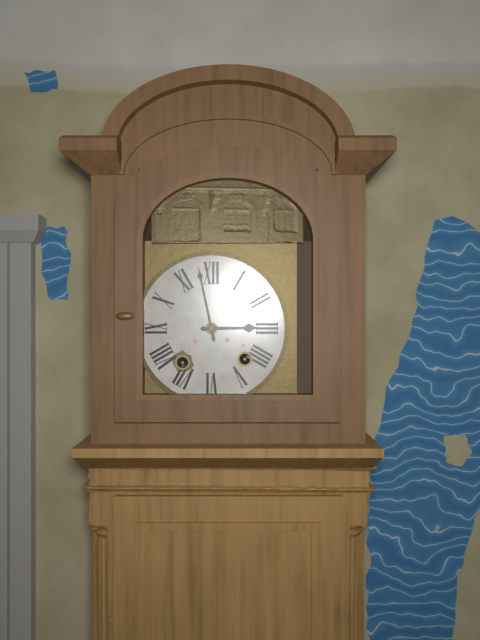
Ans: {"hour": 2, "minute": 58}
